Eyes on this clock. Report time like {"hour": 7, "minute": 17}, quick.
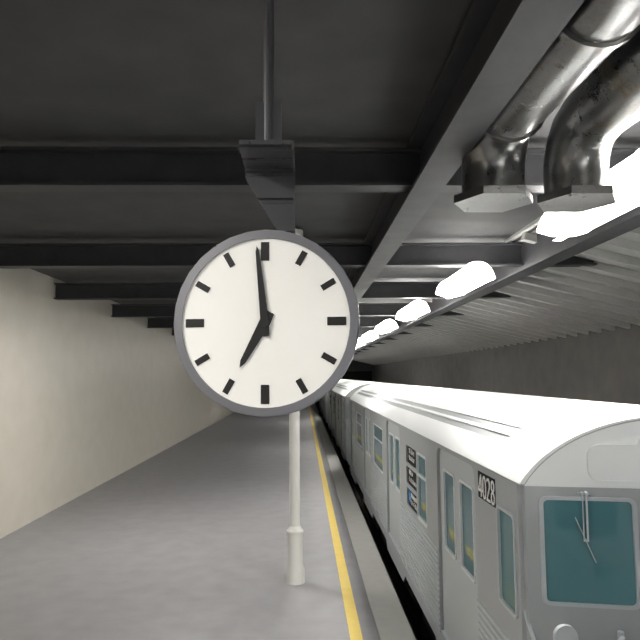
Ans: {"hour": 6, "minute": 59}
